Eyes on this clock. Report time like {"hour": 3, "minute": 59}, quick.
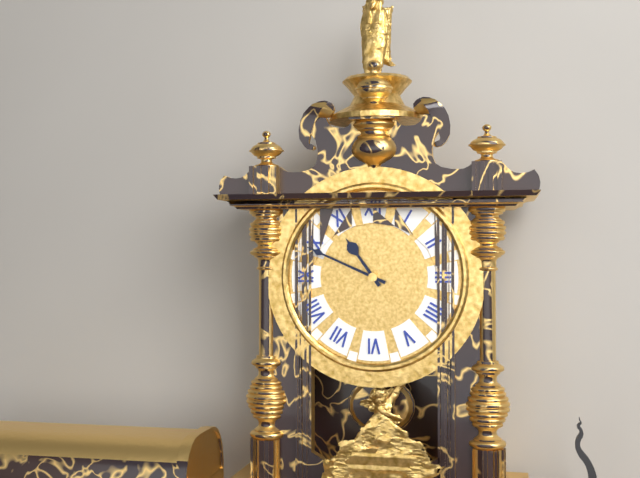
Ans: {"hour": 10, "minute": 49}
